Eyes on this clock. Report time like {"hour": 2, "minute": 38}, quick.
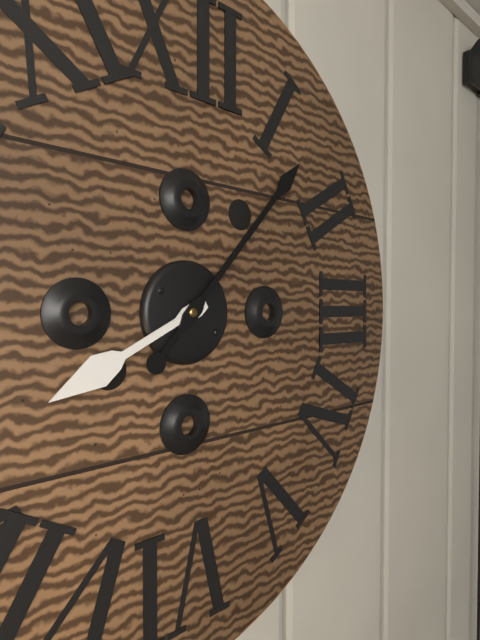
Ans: {"hour": 8, "minute": 7}
